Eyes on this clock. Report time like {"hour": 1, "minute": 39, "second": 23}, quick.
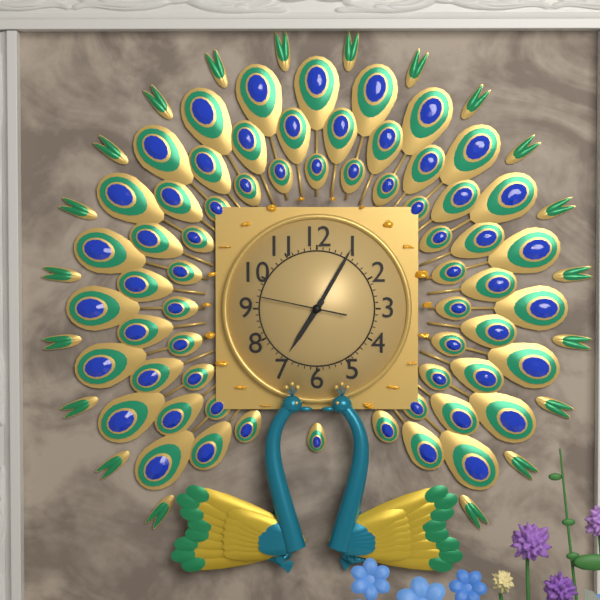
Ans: {"hour": 7, "minute": 5, "second": 47}
